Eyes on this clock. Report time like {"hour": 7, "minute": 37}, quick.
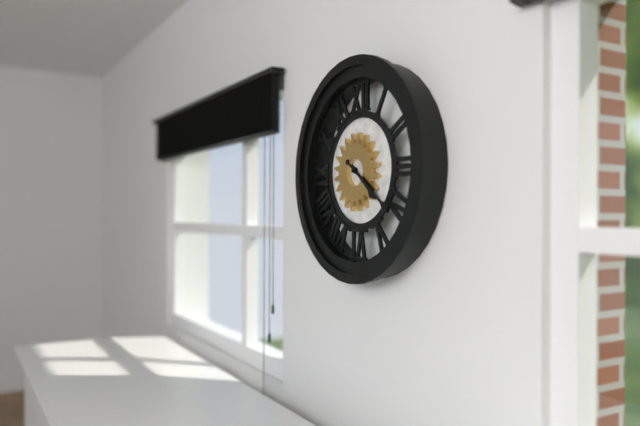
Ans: {"hour": 4, "minute": 21}
